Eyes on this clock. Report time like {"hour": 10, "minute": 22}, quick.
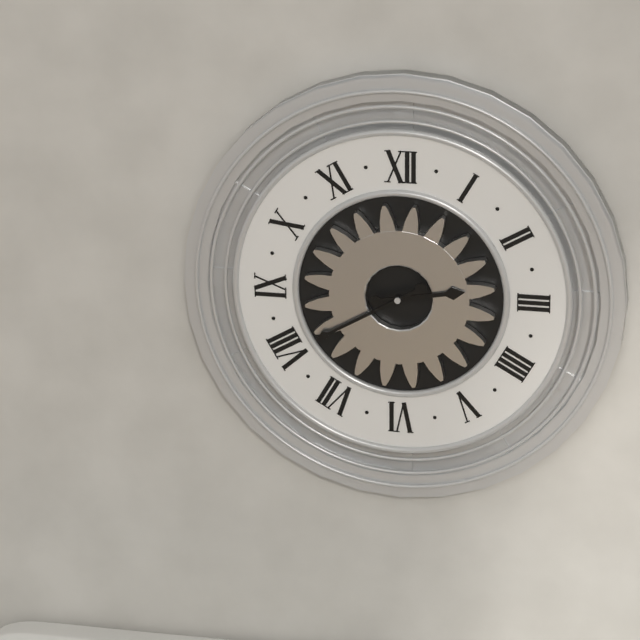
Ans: {"hour": 2, "minute": 40}
